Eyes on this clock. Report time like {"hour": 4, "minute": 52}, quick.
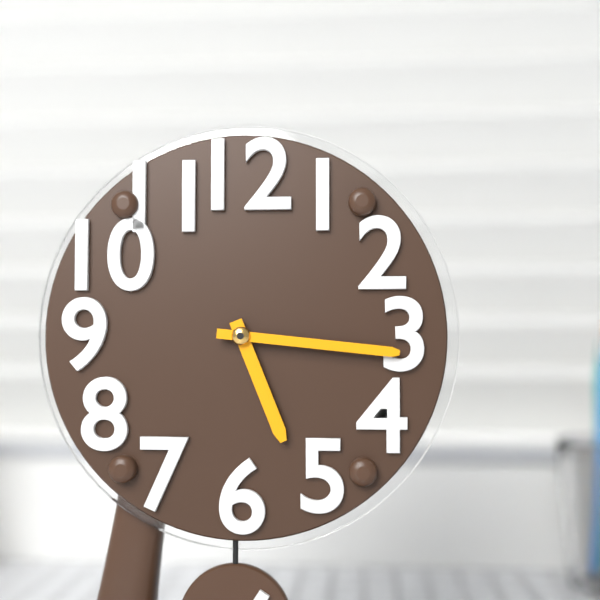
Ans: {"hour": 5, "minute": 16}
